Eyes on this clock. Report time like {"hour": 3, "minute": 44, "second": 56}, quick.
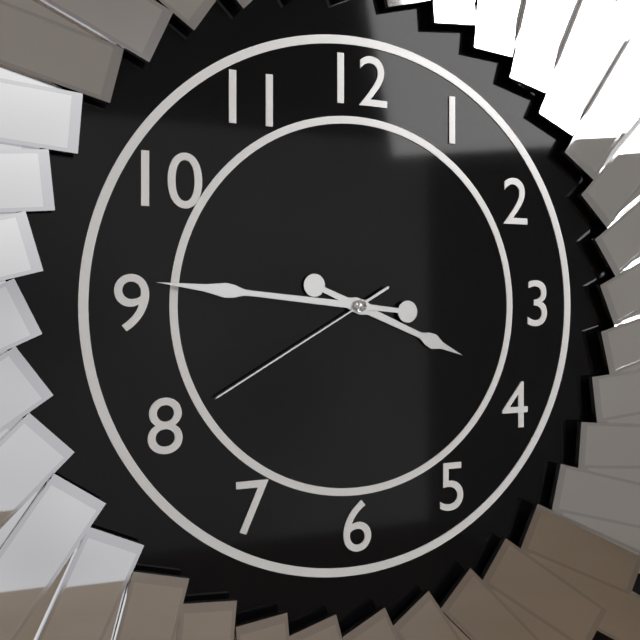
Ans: {"hour": 3, "minute": 46, "second": 40}
